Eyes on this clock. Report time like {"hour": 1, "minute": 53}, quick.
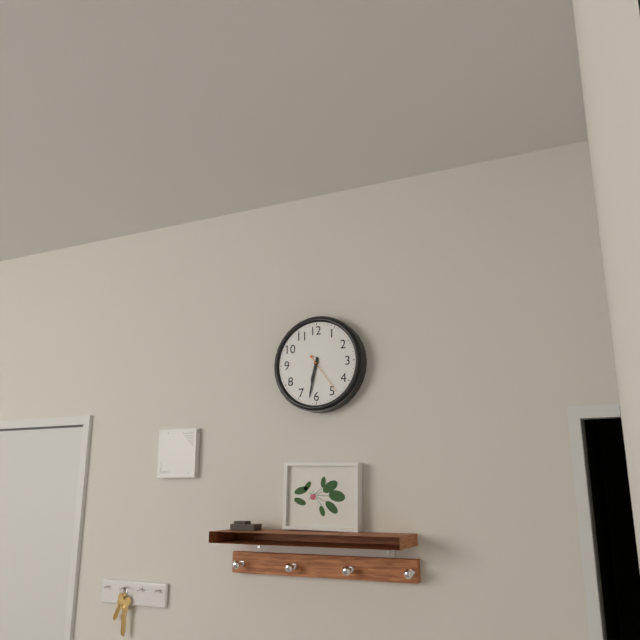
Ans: {"hour": 6, "minute": 32}
